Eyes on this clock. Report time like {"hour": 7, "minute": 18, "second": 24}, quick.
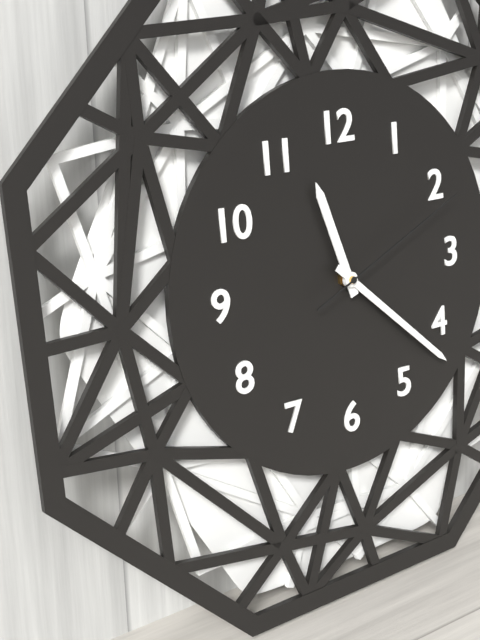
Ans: {"hour": 11, "minute": 22, "second": 11}
